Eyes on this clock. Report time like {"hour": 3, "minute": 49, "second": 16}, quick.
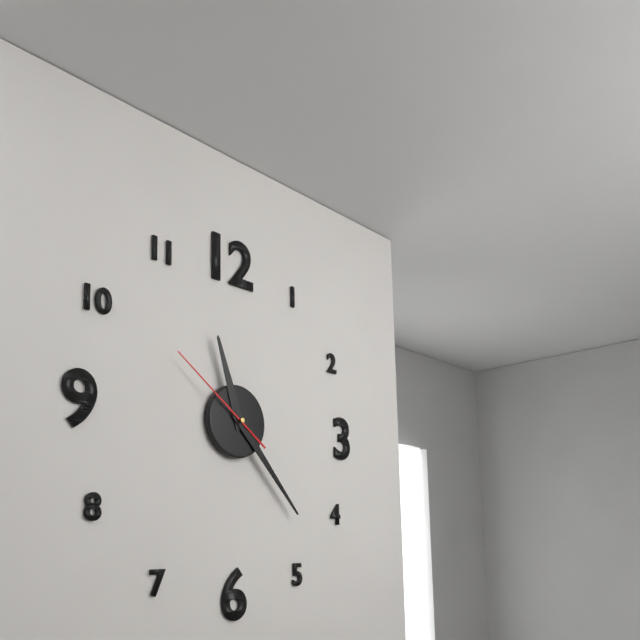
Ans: {"hour": 11, "minute": 23, "second": 51}
